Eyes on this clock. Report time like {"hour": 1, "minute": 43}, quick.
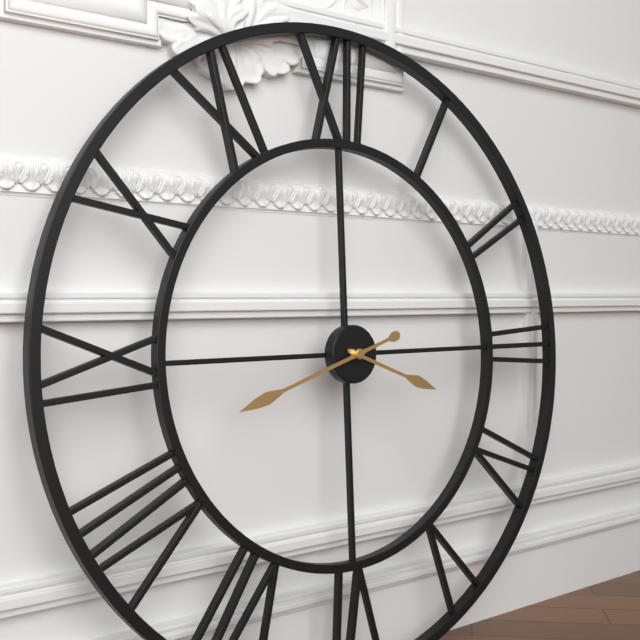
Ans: {"hour": 3, "minute": 42}
